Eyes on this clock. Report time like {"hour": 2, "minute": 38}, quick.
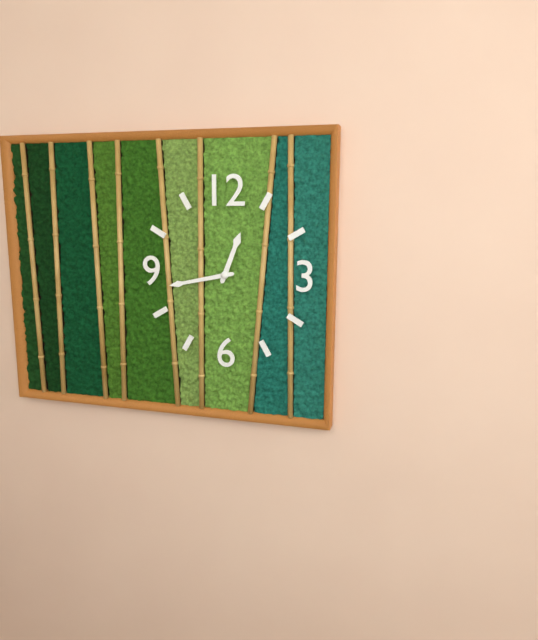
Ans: {"hour": 12, "minute": 43}
